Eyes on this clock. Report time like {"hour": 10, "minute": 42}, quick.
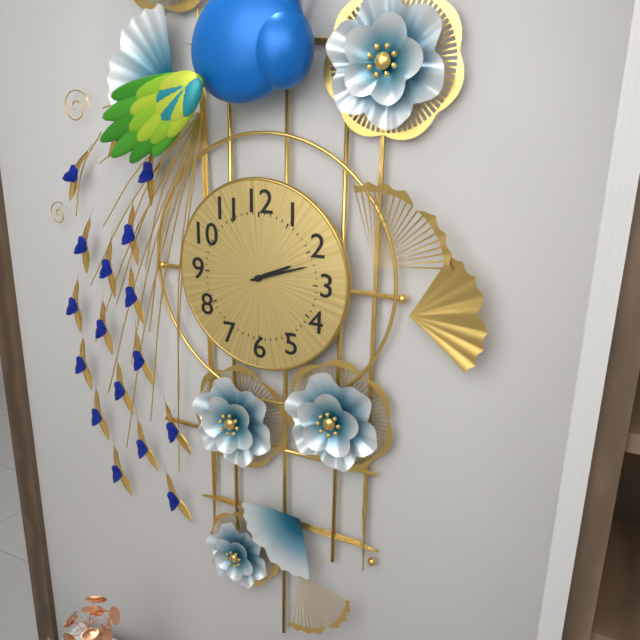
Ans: {"hour": 2, "minute": 12}
